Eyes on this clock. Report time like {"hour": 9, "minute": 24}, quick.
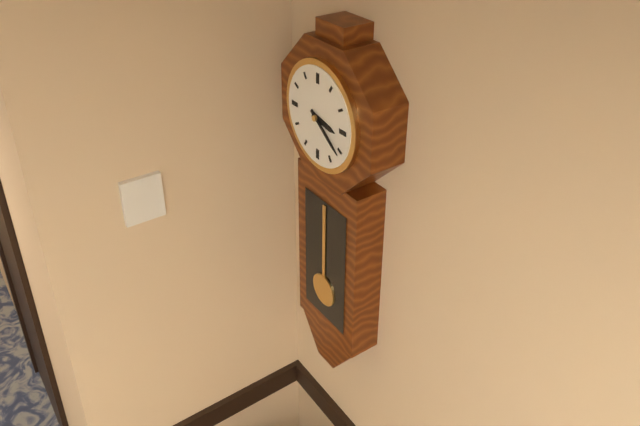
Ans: {"hour": 3, "minute": 21}
